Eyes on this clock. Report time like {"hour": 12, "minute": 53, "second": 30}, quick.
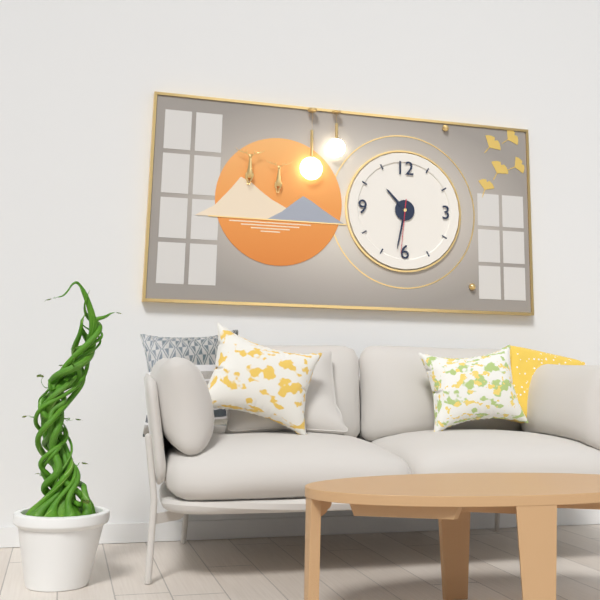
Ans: {"hour": 10, "minute": 32, "second": 31}
